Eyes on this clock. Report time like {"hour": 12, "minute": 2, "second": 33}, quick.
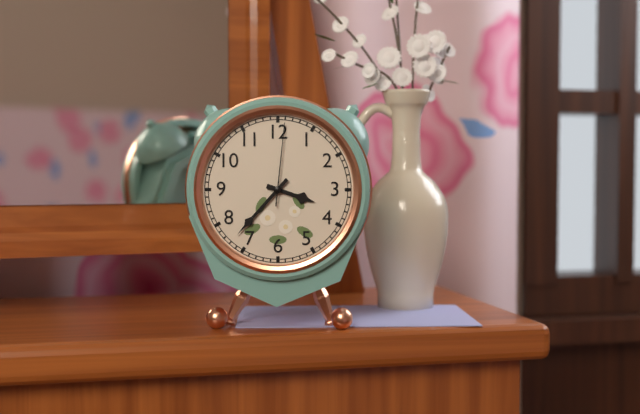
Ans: {"hour": 3, "minute": 37, "second": 1}
